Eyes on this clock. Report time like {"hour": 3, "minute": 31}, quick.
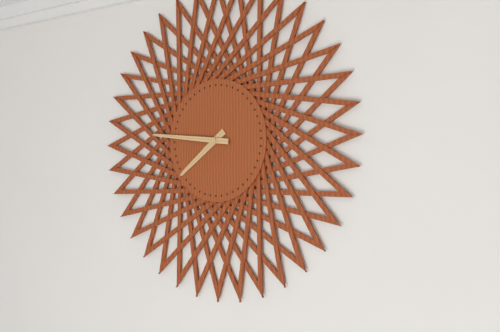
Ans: {"hour": 7, "minute": 46}
